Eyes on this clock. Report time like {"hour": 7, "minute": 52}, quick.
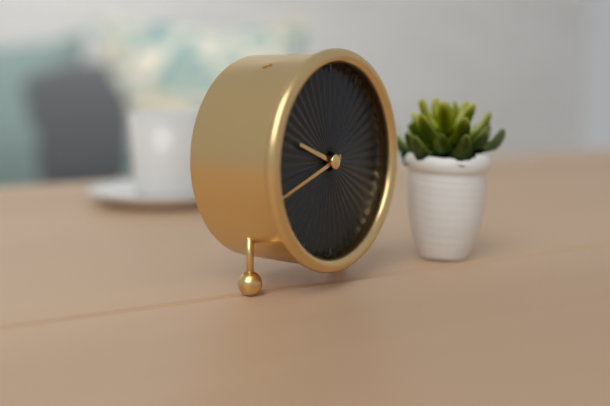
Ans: {"hour": 9, "minute": 42}
